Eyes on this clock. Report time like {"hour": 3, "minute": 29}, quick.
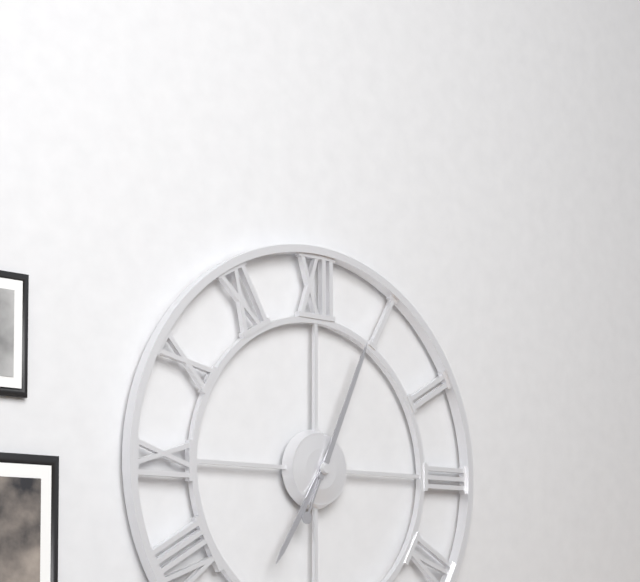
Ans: {"hour": 7, "minute": 4}
